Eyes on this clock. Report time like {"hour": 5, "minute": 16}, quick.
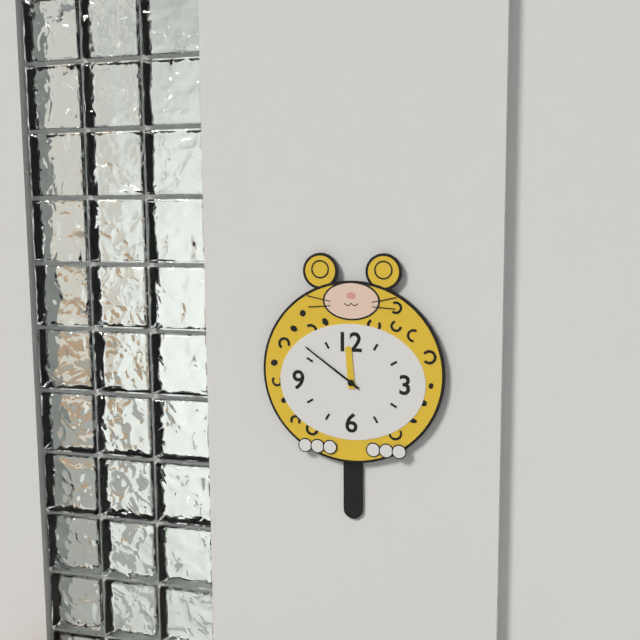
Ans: {"hour": 11, "minute": 51}
